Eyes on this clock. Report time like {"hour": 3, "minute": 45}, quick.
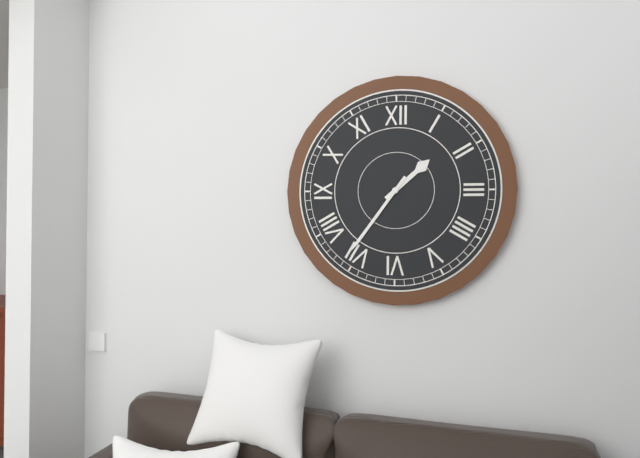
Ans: {"hour": 1, "minute": 36}
